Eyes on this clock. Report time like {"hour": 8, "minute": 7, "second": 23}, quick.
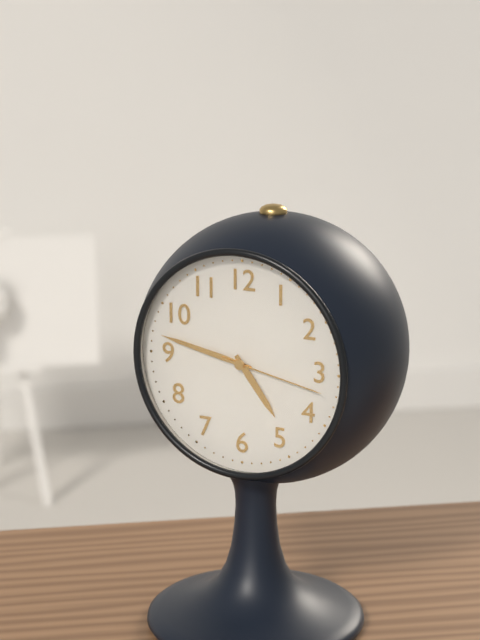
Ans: {"hour": 4, "minute": 47, "second": 17}
